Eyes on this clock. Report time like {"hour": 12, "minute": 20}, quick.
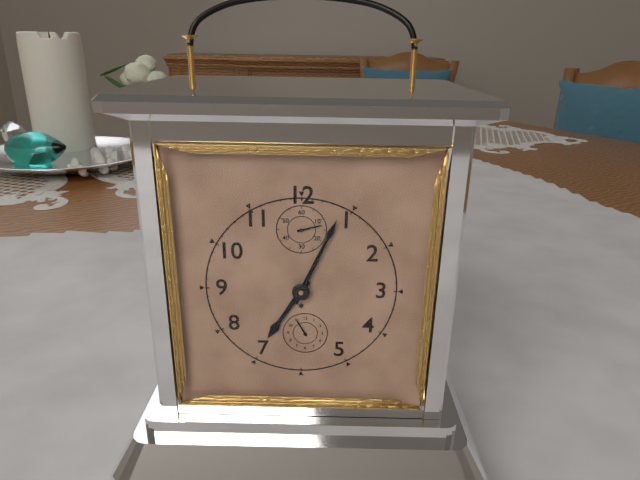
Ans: {"hour": 7, "minute": 4}
